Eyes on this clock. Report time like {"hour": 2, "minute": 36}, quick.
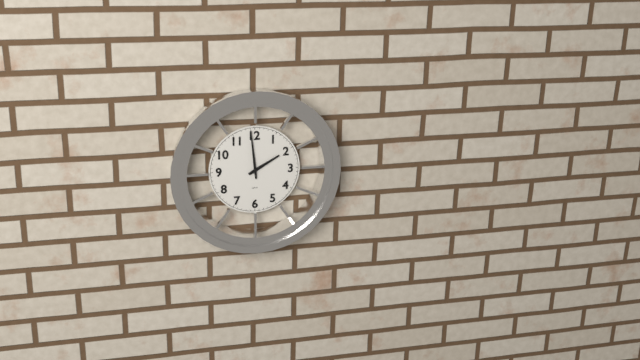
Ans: {"hour": 1, "minute": 59}
